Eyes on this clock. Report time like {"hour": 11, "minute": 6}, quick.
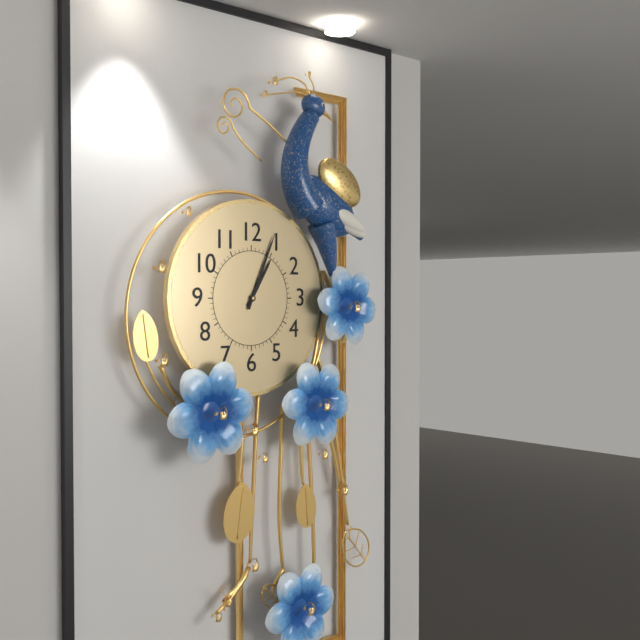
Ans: {"hour": 1, "minute": 4}
